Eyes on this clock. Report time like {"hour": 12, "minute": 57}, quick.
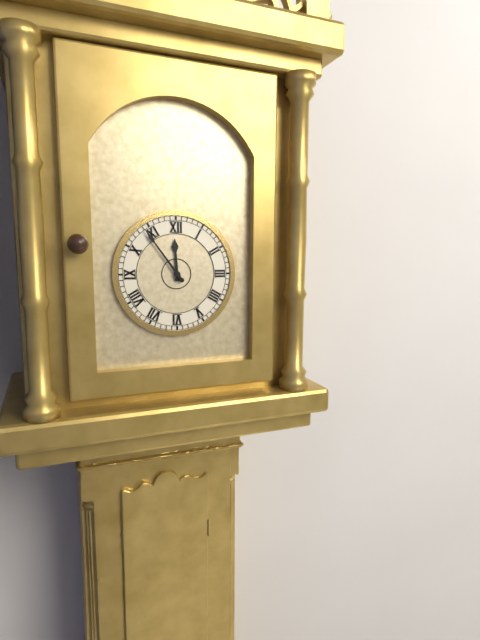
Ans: {"hour": 11, "minute": 54}
